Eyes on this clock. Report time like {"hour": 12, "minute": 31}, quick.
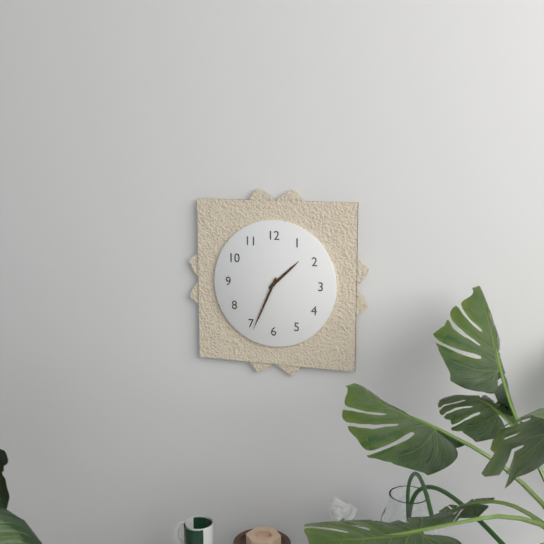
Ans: {"hour": 1, "minute": 34}
